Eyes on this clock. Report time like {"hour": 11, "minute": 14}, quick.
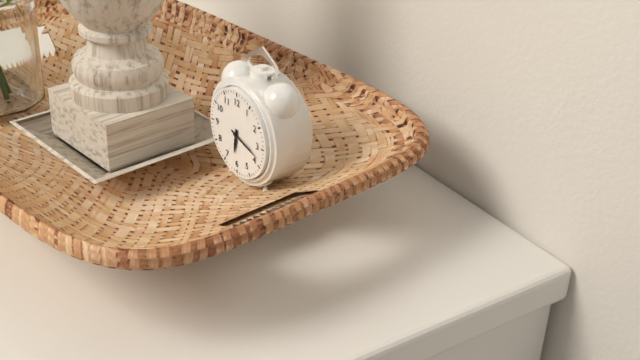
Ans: {"hour": 6, "minute": 18}
